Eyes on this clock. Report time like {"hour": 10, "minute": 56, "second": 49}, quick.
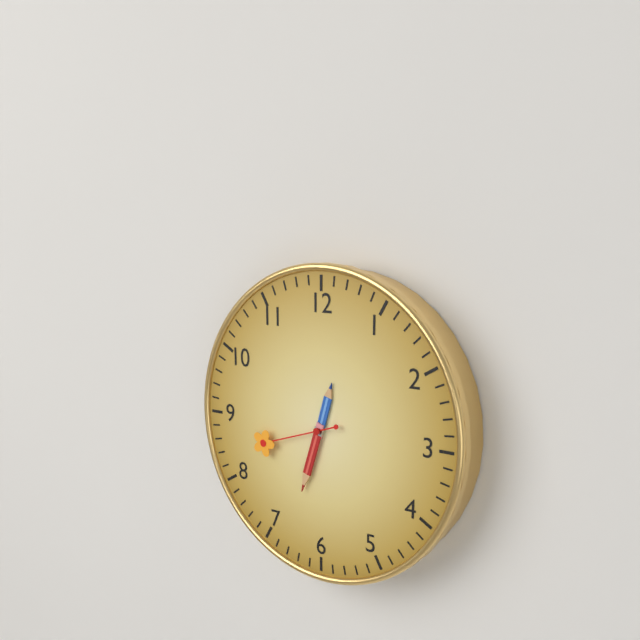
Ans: {"hour": 12, "minute": 33, "second": 42}
